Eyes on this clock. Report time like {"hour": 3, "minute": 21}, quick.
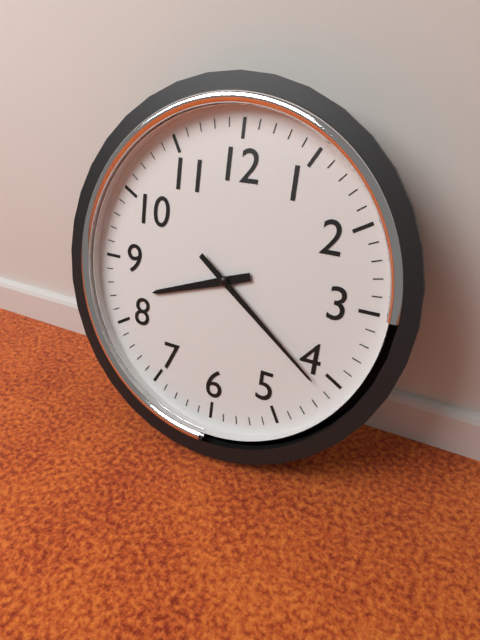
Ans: {"hour": 8, "minute": 21}
